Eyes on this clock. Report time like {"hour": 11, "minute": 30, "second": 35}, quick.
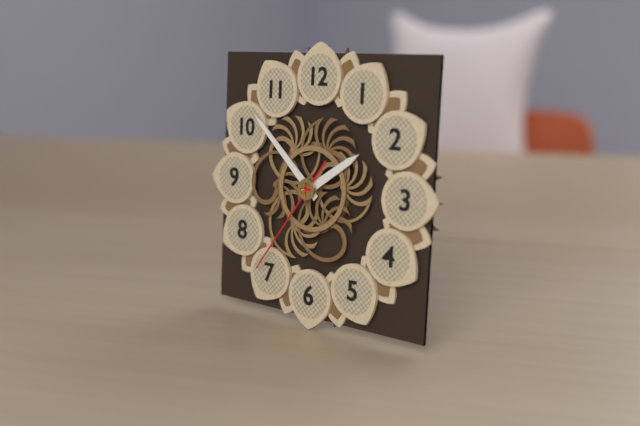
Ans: {"hour": 1, "minute": 52, "second": 36}
